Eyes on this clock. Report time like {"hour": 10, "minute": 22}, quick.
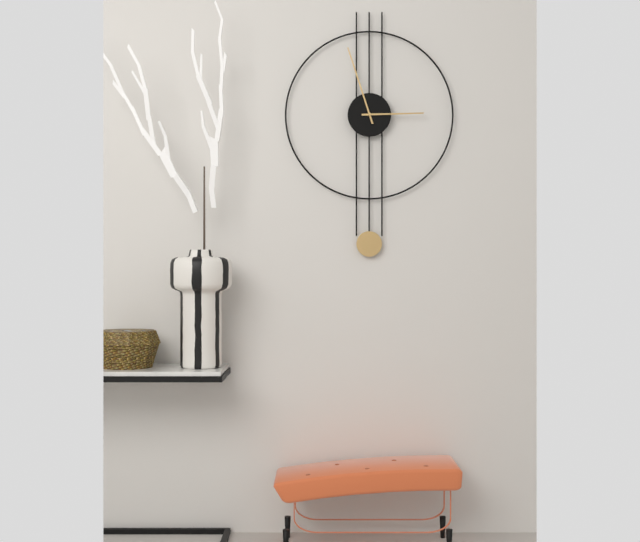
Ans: {"hour": 2, "minute": 57}
